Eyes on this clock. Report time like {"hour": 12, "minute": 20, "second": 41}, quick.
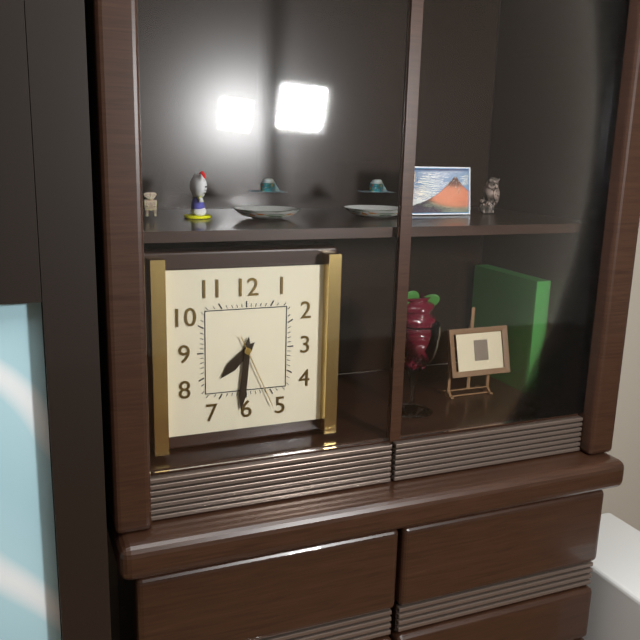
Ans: {"hour": 7, "minute": 31, "second": 26}
